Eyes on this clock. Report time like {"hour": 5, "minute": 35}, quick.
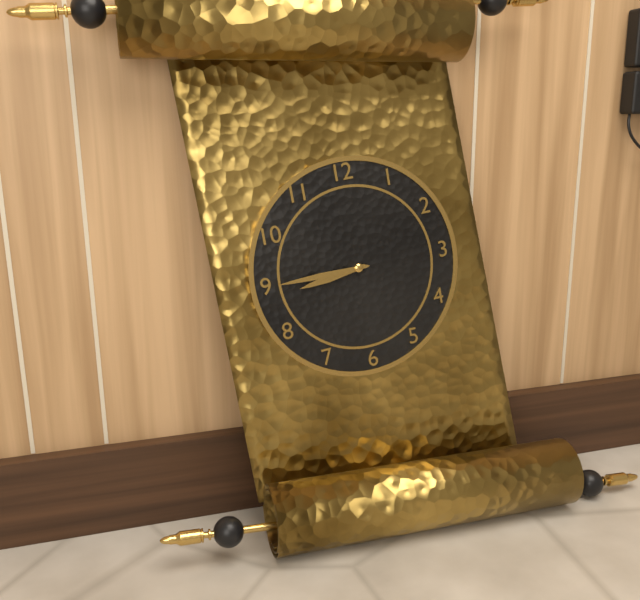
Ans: {"hour": 8, "minute": 45}
